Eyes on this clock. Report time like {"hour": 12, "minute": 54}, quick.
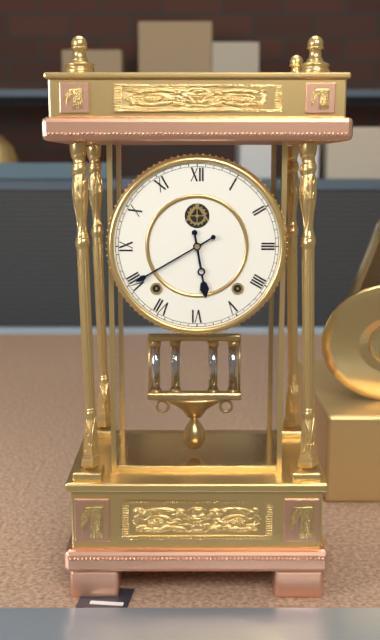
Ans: {"hour": 5, "minute": 40}
